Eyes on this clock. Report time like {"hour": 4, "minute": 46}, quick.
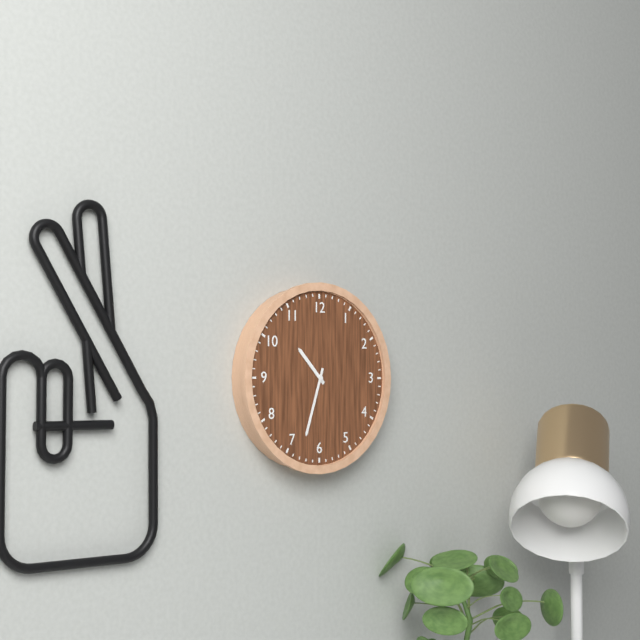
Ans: {"hour": 10, "minute": 33}
